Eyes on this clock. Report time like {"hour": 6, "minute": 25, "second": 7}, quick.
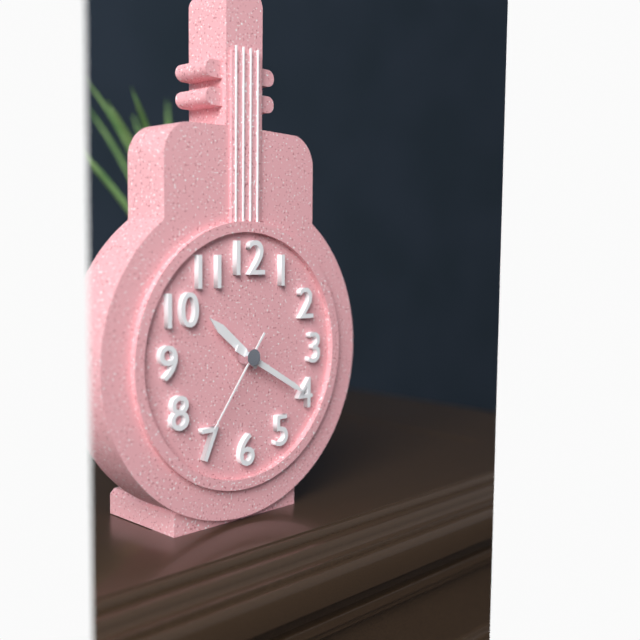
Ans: {"hour": 10, "minute": 20, "second": 36}
